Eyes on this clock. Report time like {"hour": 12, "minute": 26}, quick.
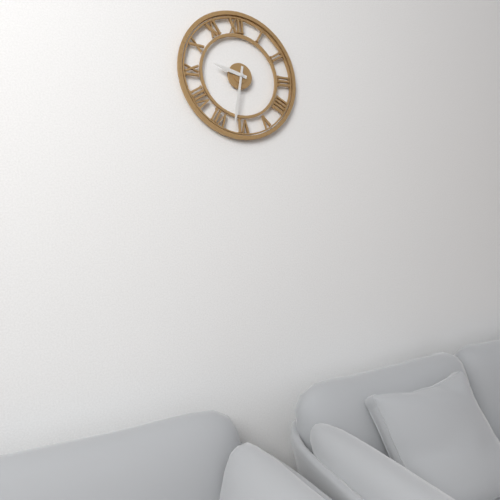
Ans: {"hour": 9, "minute": 32}
